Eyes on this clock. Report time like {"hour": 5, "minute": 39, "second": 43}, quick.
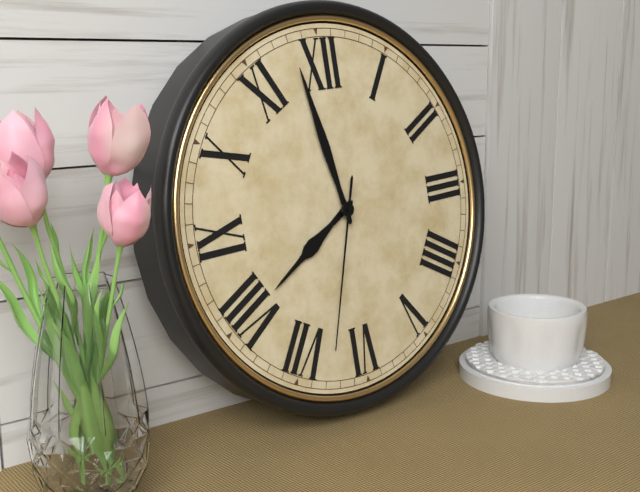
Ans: {"hour": 7, "minute": 58, "second": 33}
